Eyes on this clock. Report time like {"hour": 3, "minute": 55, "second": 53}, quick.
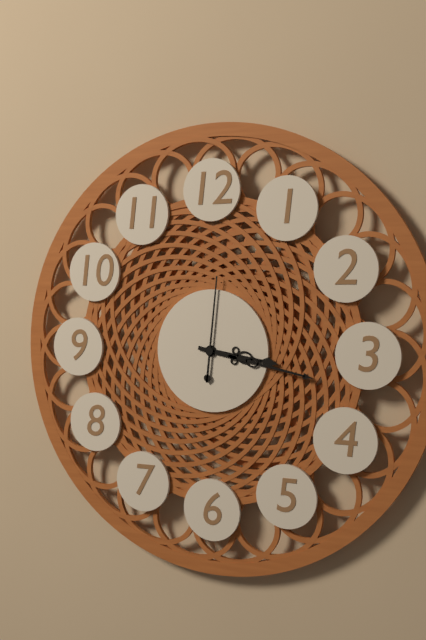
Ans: {"hour": 3, "minute": 17, "second": 1}
